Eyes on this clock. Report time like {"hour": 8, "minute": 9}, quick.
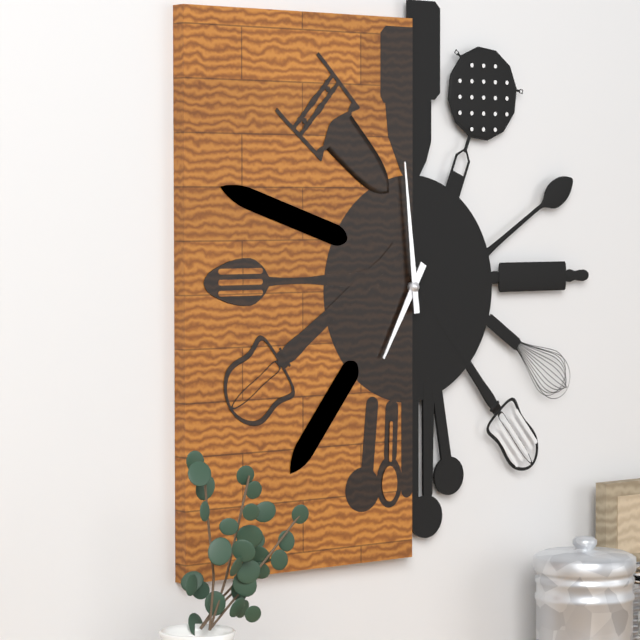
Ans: {"hour": 6, "minute": 59}
